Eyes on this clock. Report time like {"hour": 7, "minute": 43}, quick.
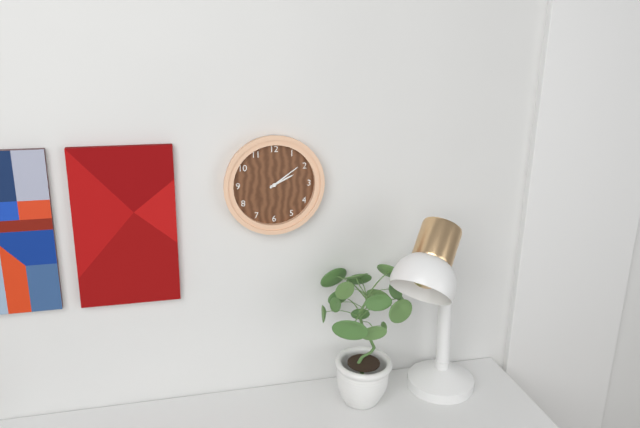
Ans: {"hour": 2, "minute": 9}
